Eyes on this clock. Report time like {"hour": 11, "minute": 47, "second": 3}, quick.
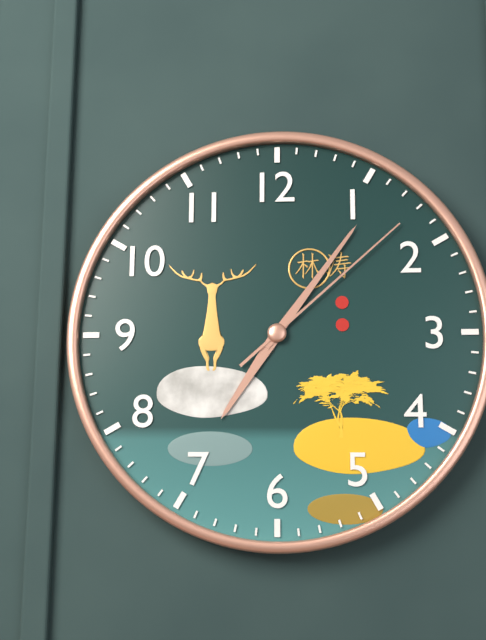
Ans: {"hour": 7, "minute": 6, "second": 8}
